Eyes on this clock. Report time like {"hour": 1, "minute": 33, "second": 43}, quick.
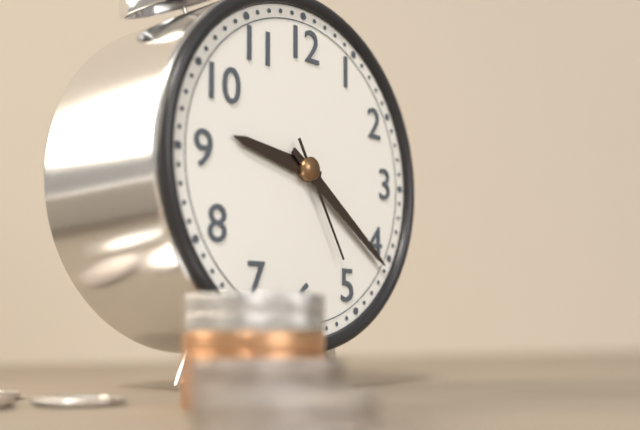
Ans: {"hour": 9, "minute": 21, "second": 25}
